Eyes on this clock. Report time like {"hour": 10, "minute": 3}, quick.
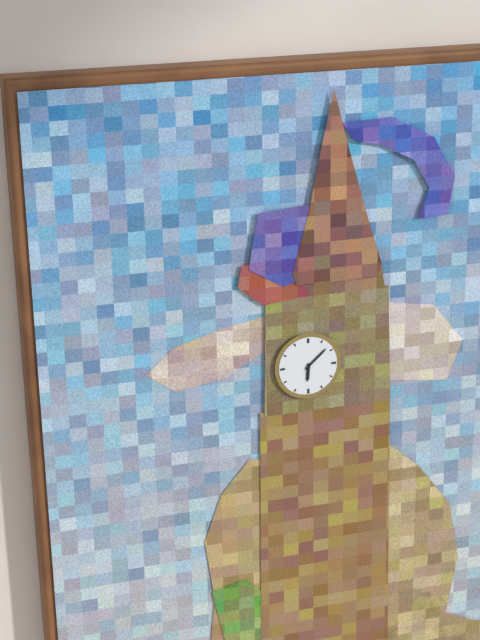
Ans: {"hour": 6, "minute": 8}
